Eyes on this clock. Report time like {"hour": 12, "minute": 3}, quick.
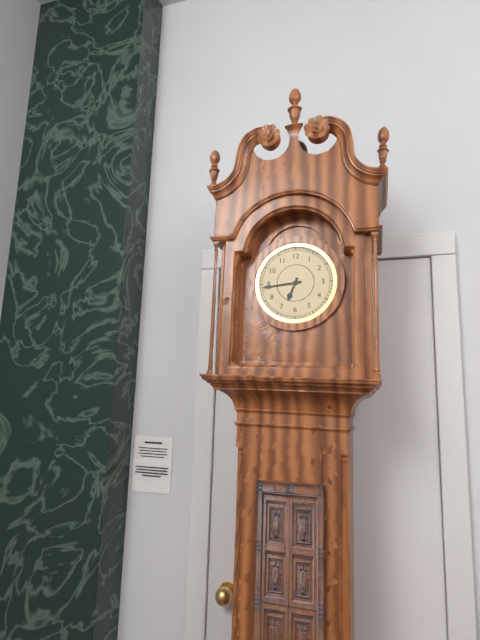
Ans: {"hour": 6, "minute": 44}
